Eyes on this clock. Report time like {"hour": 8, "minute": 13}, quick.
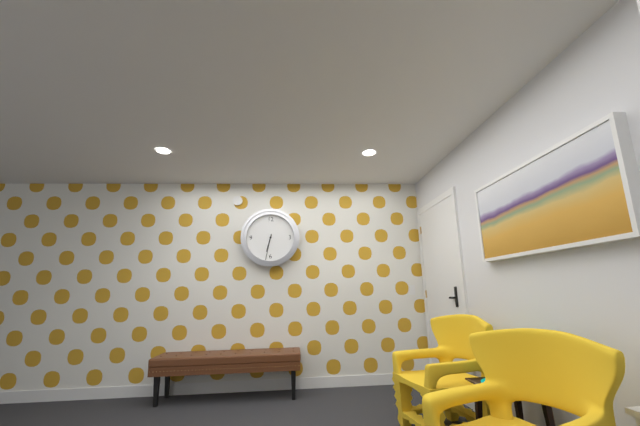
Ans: {"hour": 6, "minute": 32}
